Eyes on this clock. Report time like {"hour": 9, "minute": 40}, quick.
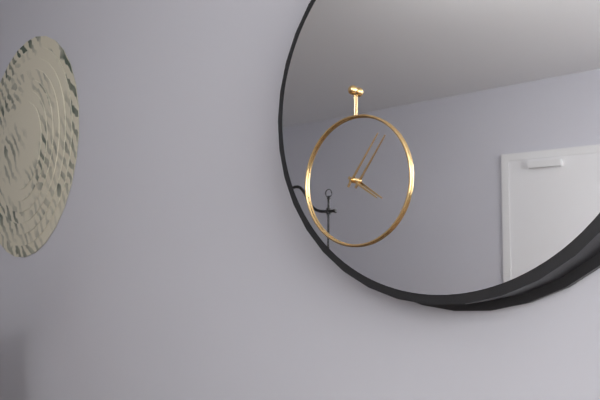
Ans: {"hour": 4, "minute": 6}
